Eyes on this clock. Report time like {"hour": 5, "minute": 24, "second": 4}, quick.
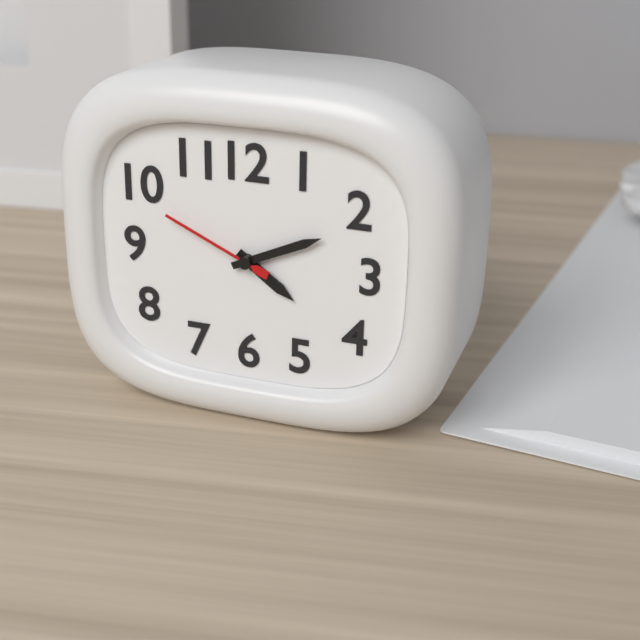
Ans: {"hour": 4, "minute": 11, "second": 49}
